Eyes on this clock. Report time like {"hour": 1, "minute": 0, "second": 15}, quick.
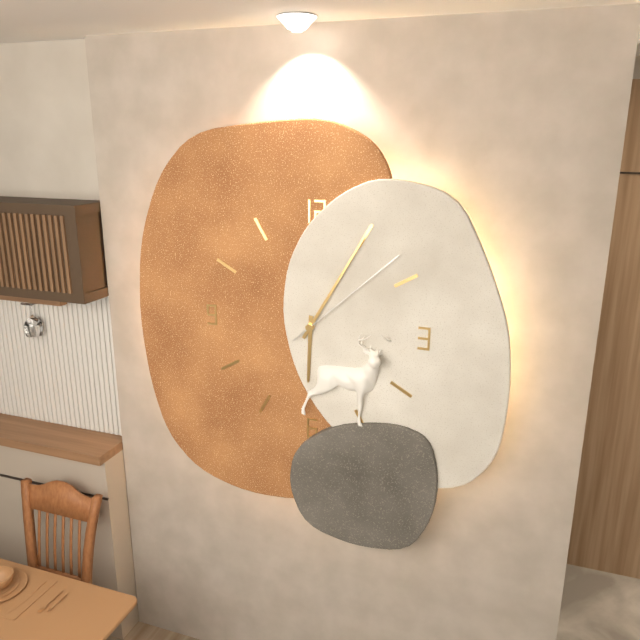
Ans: {"hour": 6, "minute": 5, "second": 8}
